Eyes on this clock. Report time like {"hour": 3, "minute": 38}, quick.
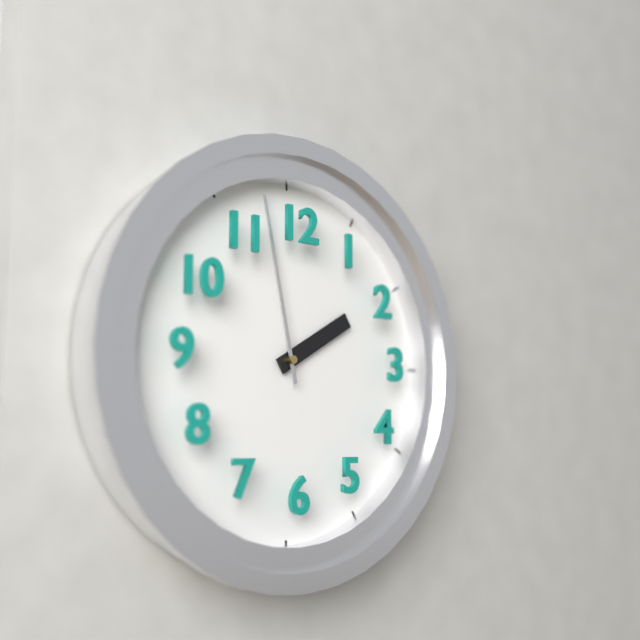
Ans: {"hour": 1, "minute": 58}
